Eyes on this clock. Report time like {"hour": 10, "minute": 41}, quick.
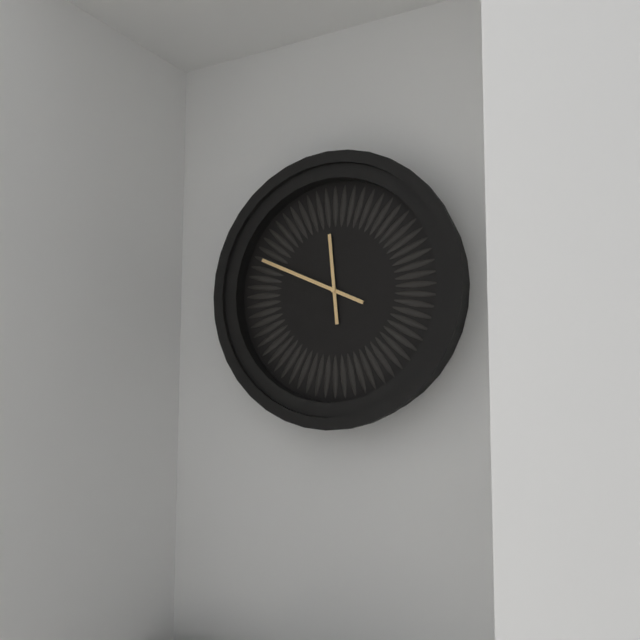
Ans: {"hour": 11, "minute": 49}
